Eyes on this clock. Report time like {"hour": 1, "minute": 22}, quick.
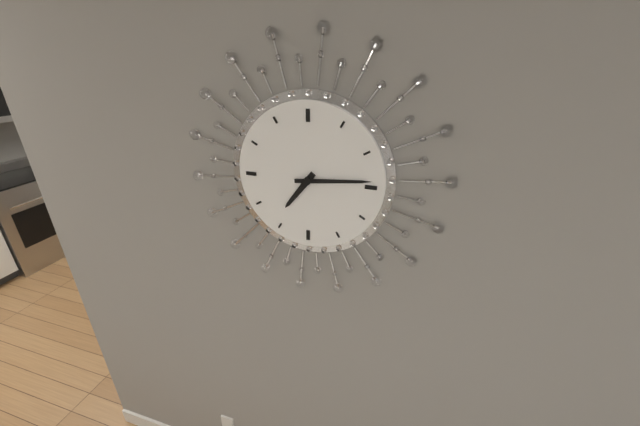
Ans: {"hour": 7, "minute": 14}
